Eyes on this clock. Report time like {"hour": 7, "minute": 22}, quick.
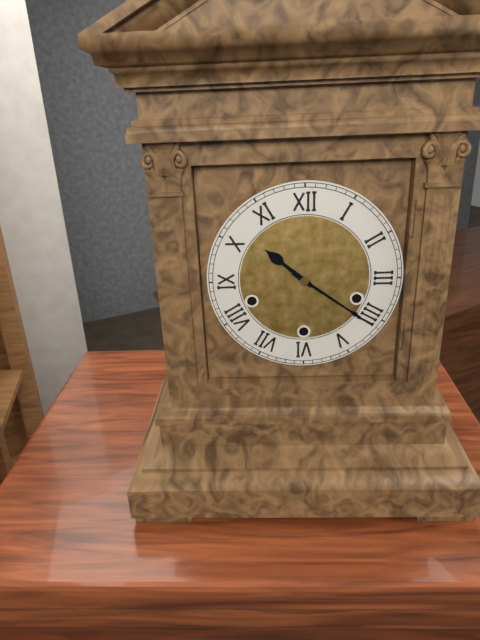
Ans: {"hour": 10, "minute": 21}
